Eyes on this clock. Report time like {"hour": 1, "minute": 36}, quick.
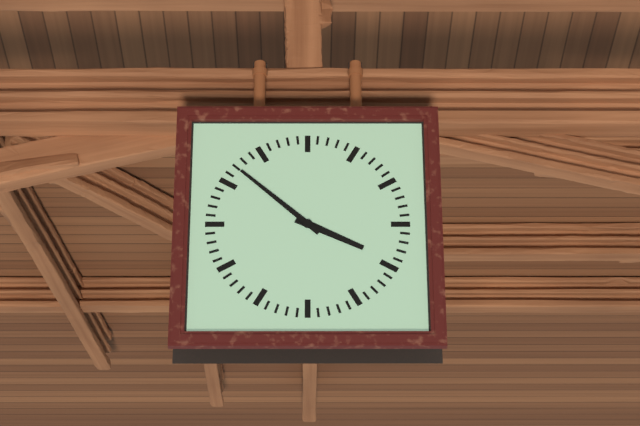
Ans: {"hour": 3, "minute": 52}
